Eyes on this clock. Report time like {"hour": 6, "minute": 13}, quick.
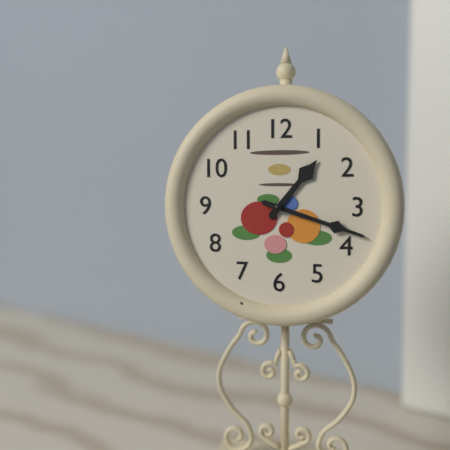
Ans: {"hour": 1, "minute": 18}
